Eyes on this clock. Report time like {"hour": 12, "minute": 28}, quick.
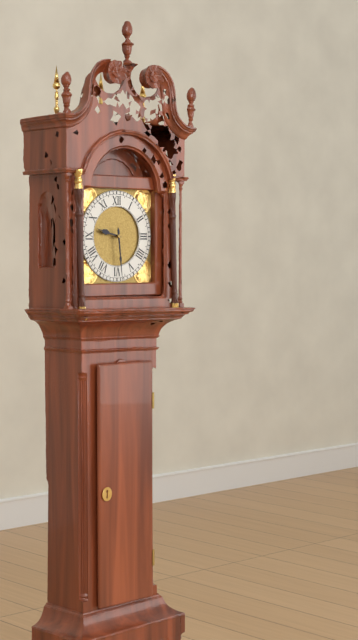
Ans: {"hour": 9, "minute": 29}
